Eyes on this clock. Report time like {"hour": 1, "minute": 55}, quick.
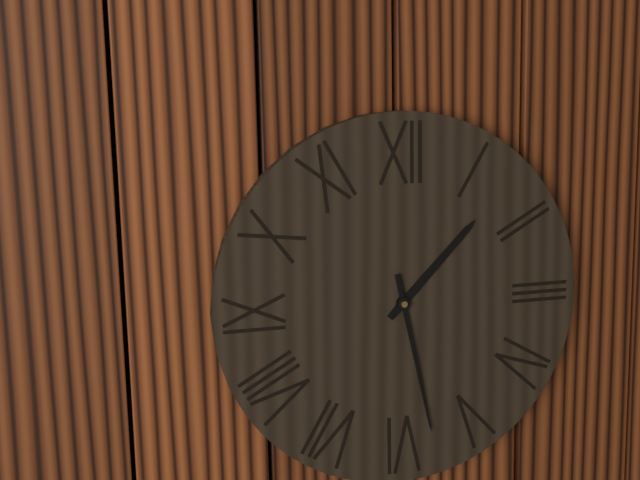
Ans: {"hour": 1, "minute": 28}
